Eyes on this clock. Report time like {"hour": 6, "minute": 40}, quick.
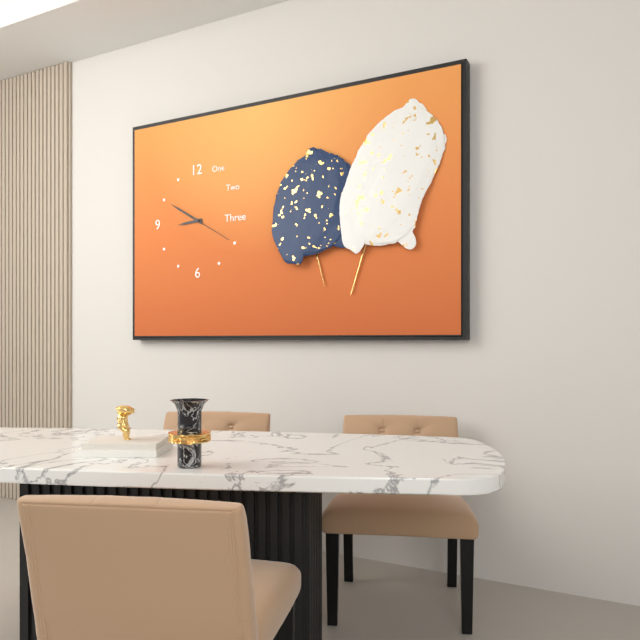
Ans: {"hour": 8, "minute": 50}
